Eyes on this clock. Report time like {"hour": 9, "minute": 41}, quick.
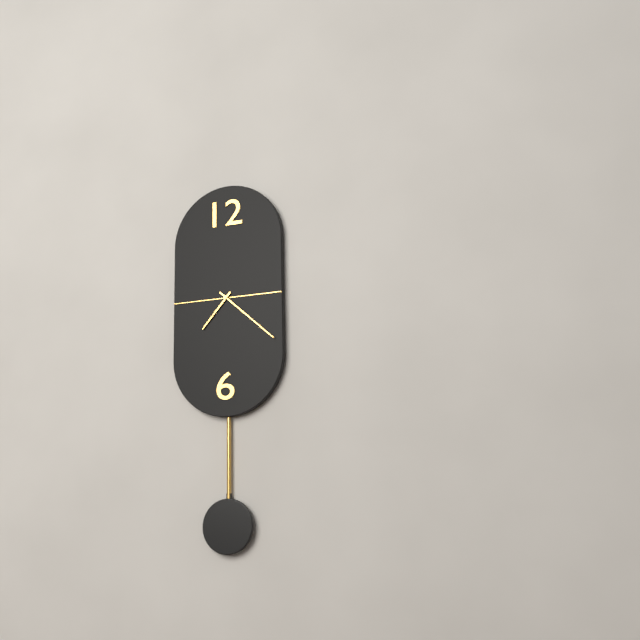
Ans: {"hour": 7, "minute": 22}
